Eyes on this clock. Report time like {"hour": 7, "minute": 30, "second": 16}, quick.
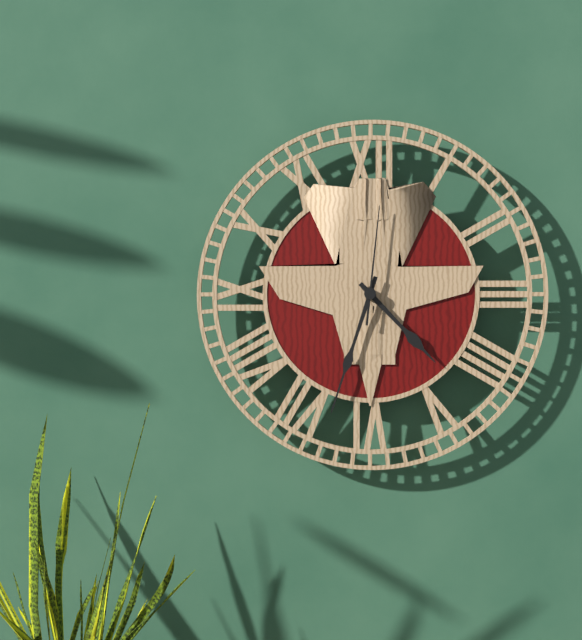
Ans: {"hour": 4, "minute": 33, "second": 1}
